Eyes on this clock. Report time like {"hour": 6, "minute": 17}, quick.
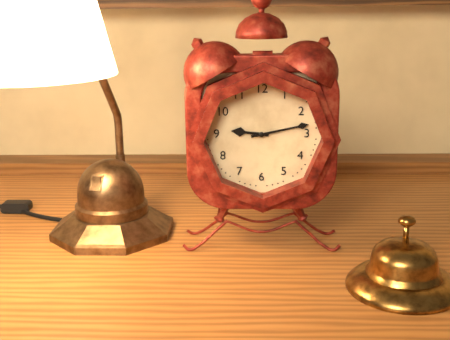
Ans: {"hour": 9, "minute": 13}
